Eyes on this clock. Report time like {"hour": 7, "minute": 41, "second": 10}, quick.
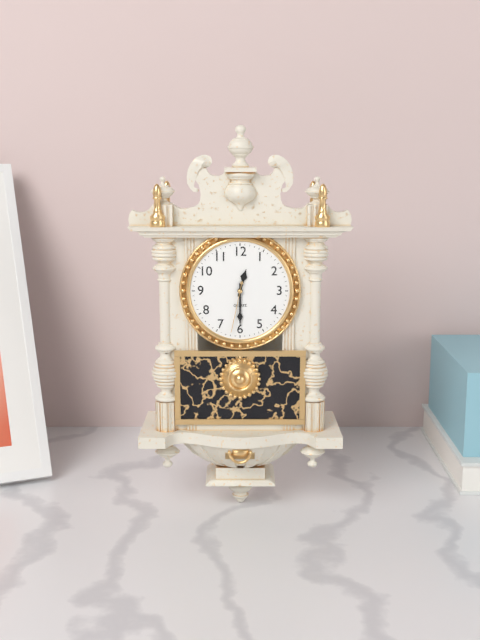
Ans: {"hour": 12, "minute": 30, "second": 32}
